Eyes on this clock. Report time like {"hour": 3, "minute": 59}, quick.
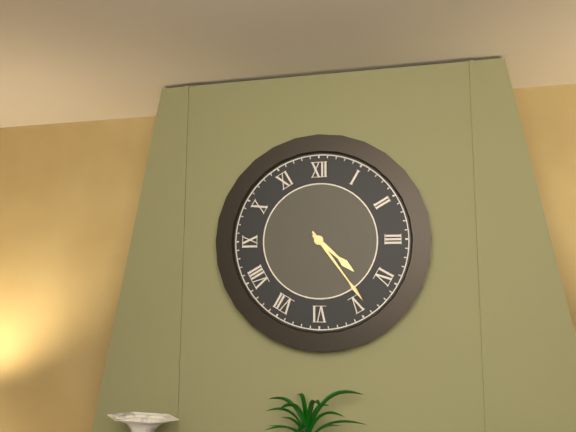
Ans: {"hour": 4, "minute": 24}
